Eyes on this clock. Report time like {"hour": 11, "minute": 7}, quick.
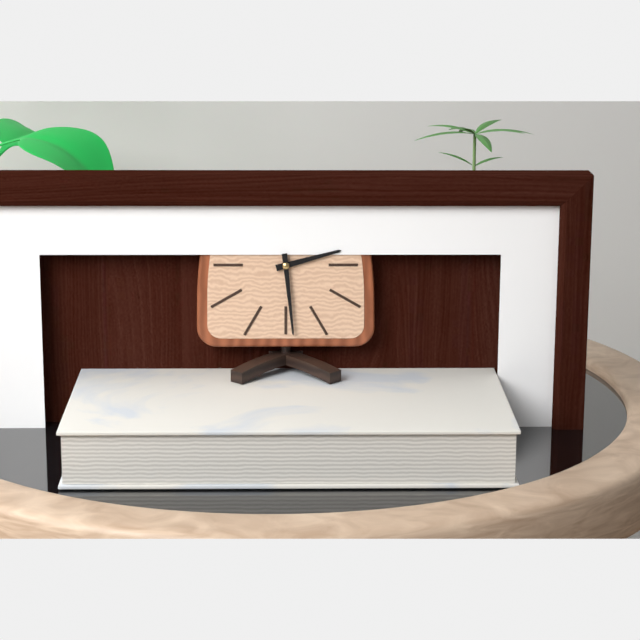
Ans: {"hour": 2, "minute": 29}
